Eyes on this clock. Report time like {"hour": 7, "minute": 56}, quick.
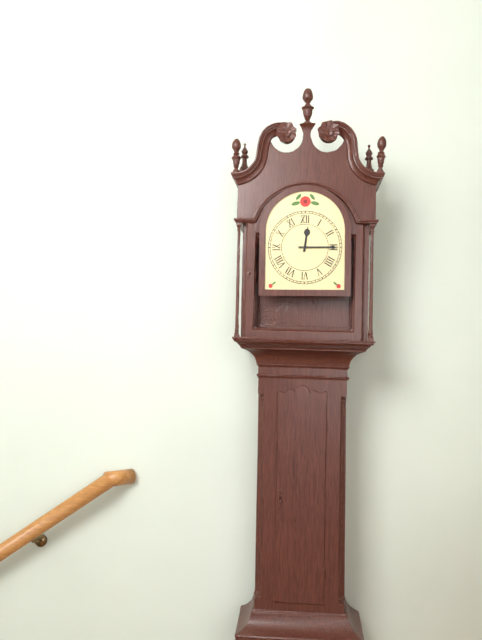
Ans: {"hour": 12, "minute": 15}
